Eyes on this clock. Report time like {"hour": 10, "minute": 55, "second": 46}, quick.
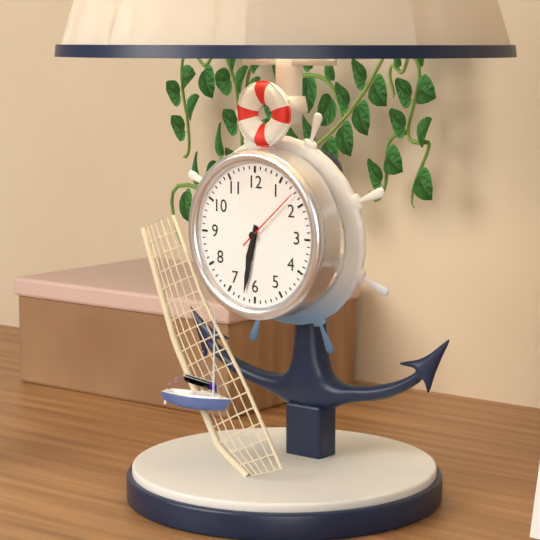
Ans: {"hour": 6, "minute": 32, "second": 8}
